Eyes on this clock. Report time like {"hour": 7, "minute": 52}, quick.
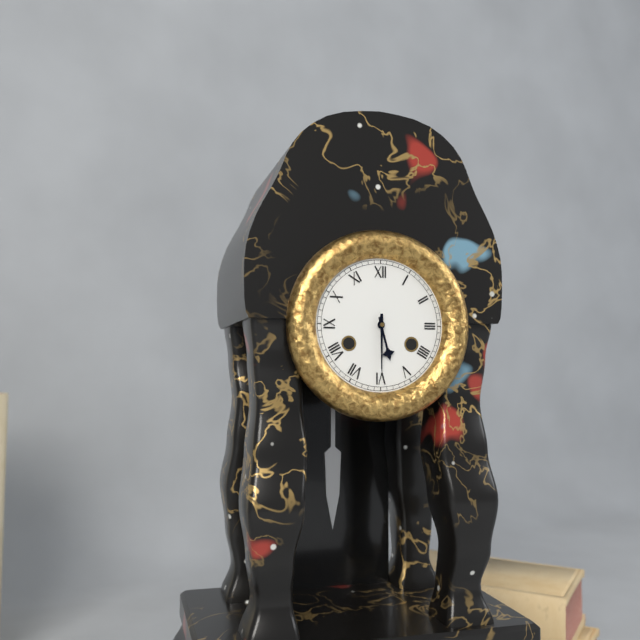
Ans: {"hour": 5, "minute": 30}
